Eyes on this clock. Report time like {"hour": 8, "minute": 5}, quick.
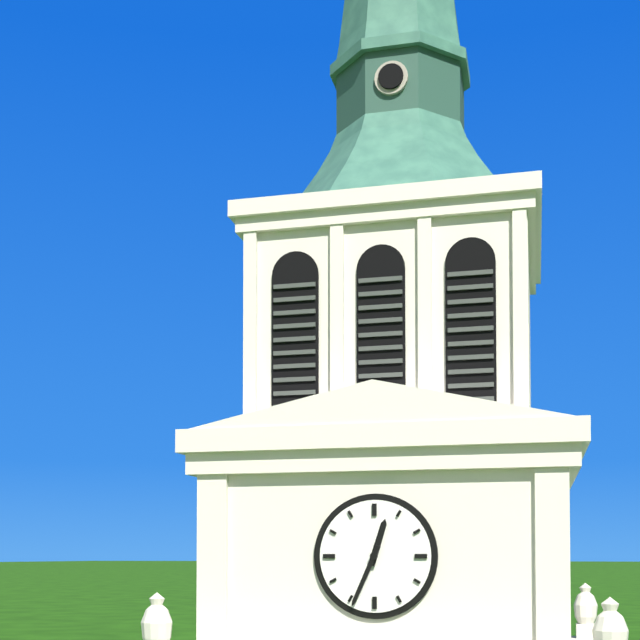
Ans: {"hour": 12, "minute": 34}
